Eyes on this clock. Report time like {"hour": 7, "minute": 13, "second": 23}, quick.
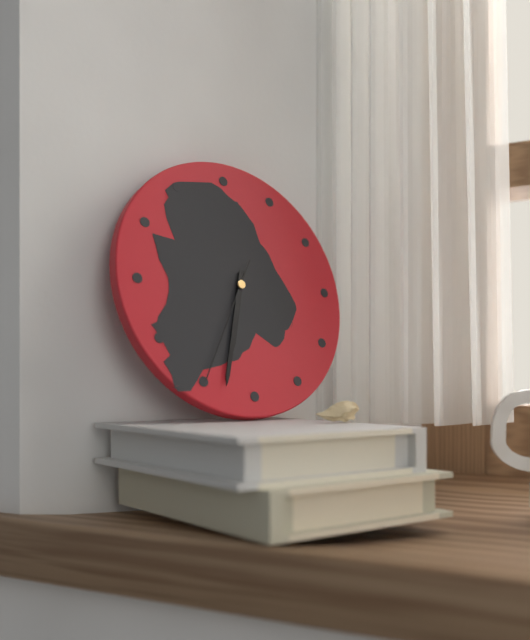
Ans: {"hour": 6, "minute": 33, "second": 35}
